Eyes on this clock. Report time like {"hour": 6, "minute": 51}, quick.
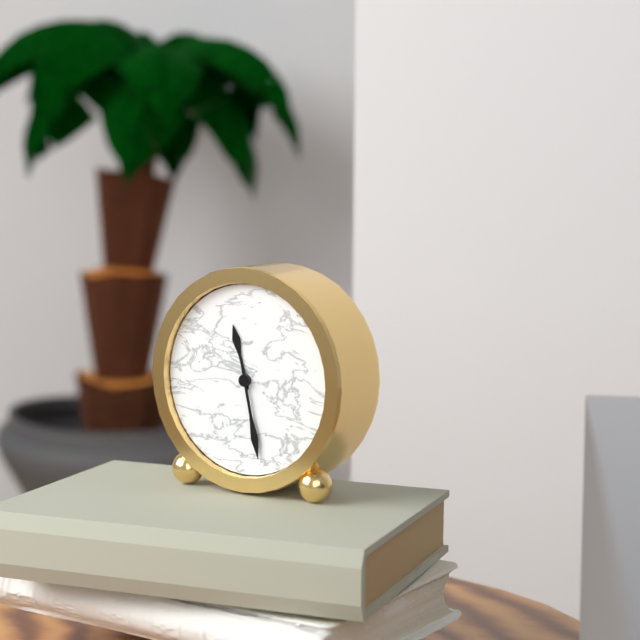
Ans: {"hour": 11, "minute": 28}
